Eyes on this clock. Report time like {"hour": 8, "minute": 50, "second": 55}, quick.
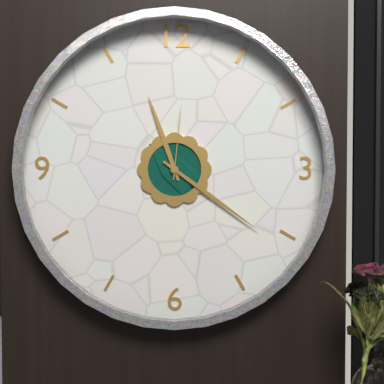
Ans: {"hour": 11, "minute": 21, "second": 1}
